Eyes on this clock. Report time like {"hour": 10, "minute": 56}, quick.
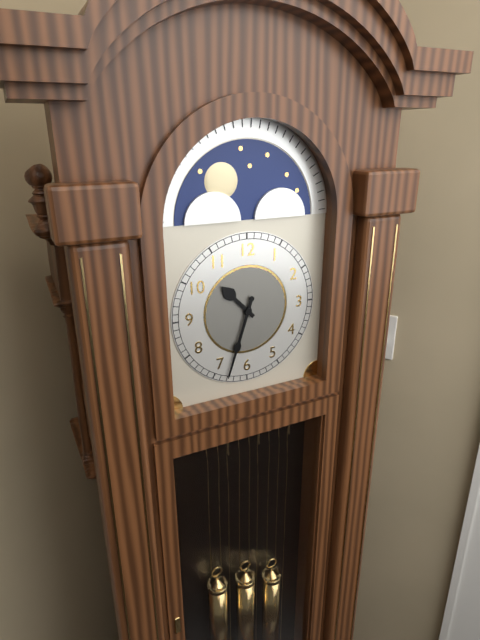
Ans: {"hour": 10, "minute": 33}
